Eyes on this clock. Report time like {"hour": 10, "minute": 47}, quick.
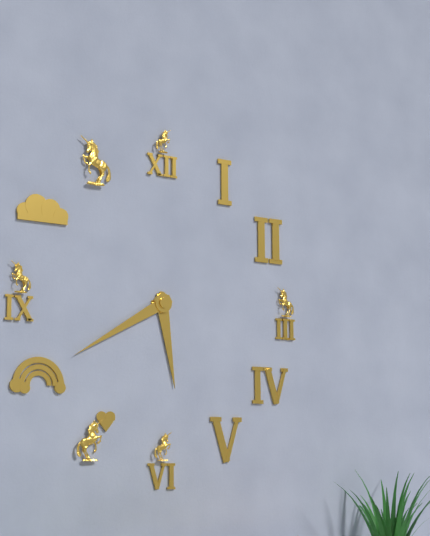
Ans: {"hour": 5, "minute": 40}
